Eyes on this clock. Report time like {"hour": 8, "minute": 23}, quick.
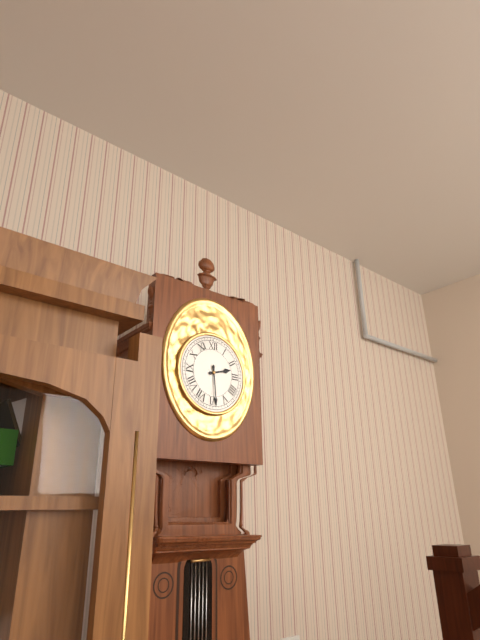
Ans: {"hour": 2, "minute": 29}
